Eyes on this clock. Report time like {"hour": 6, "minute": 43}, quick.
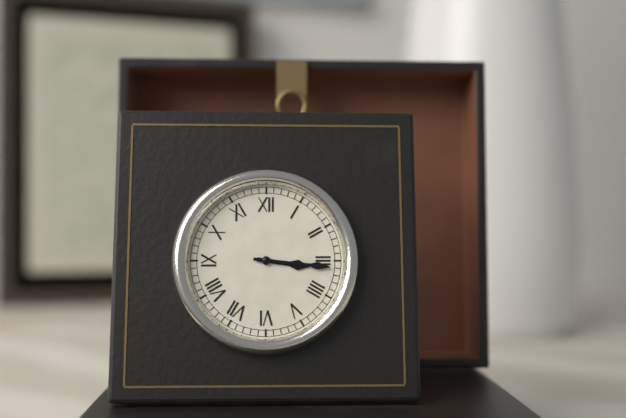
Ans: {"hour": 3, "minute": 16}
